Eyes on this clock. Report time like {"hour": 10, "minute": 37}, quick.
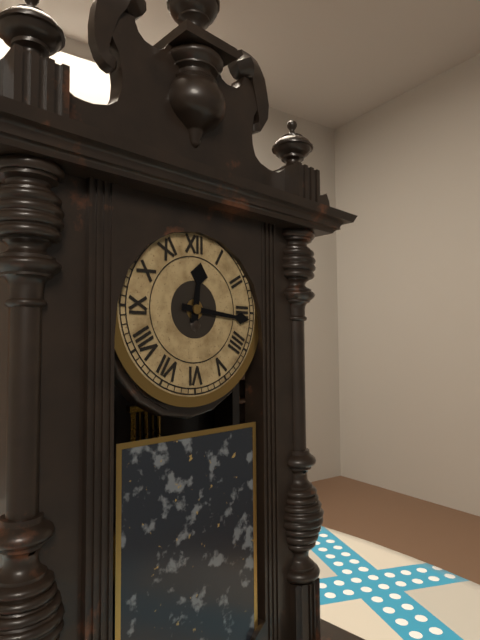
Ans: {"hour": 12, "minute": 16}
